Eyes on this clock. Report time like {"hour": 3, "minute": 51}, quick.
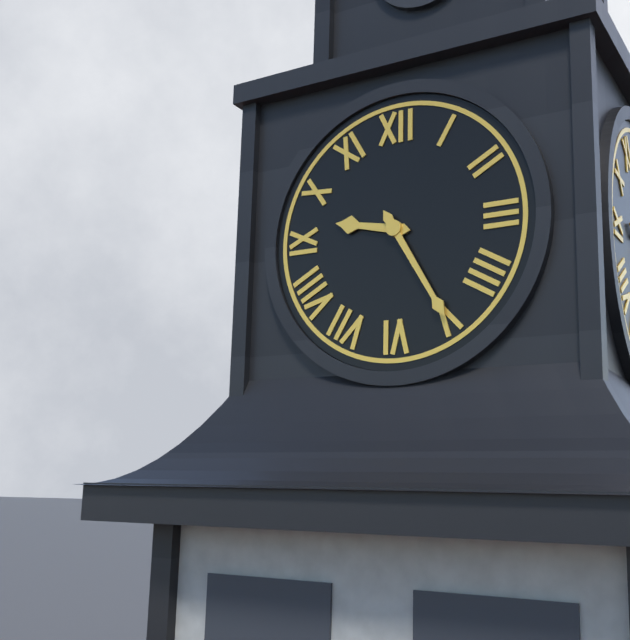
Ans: {"hour": 9, "minute": 25}
